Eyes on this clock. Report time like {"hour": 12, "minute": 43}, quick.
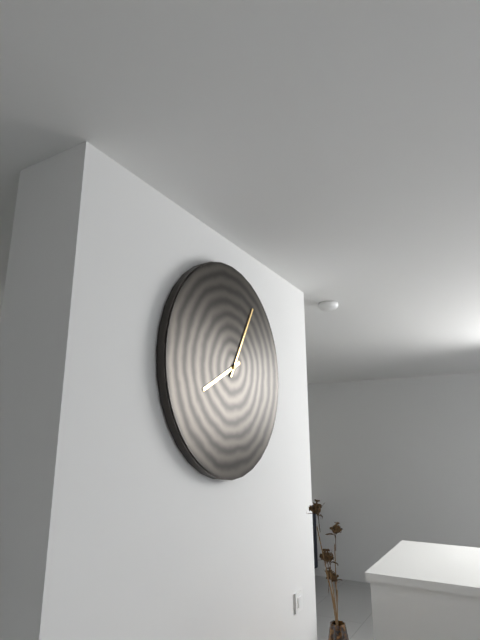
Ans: {"hour": 8, "minute": 5}
